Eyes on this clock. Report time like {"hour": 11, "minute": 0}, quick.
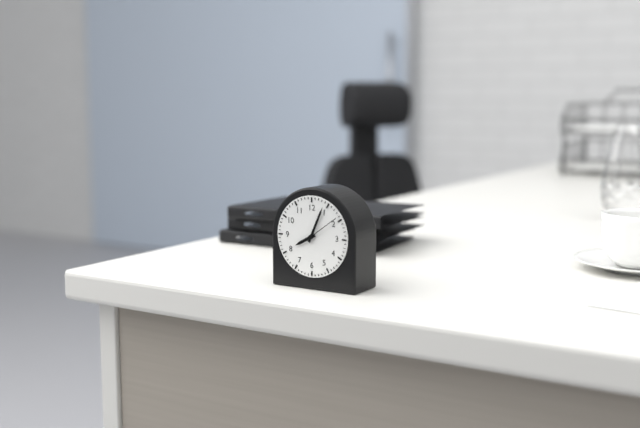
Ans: {"hour": 8, "minute": 4}
